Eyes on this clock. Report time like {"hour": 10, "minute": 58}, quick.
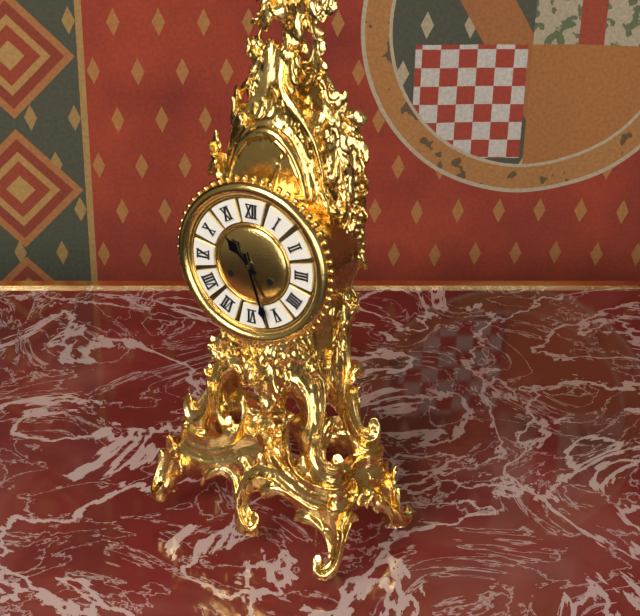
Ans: {"hour": 10, "minute": 27}
